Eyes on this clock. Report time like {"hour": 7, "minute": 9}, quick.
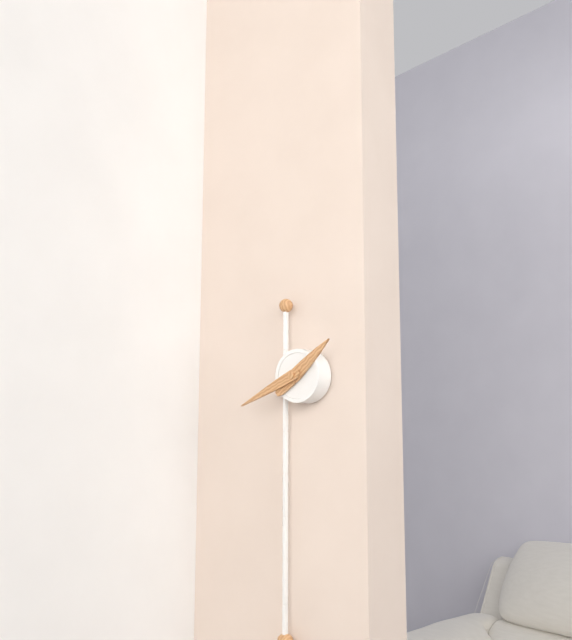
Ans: {"hour": 1, "minute": 41}
